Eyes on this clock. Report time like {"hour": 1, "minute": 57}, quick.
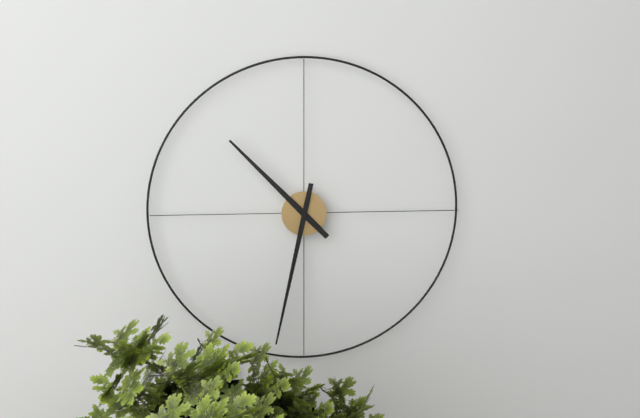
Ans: {"hour": 10, "minute": 32}
